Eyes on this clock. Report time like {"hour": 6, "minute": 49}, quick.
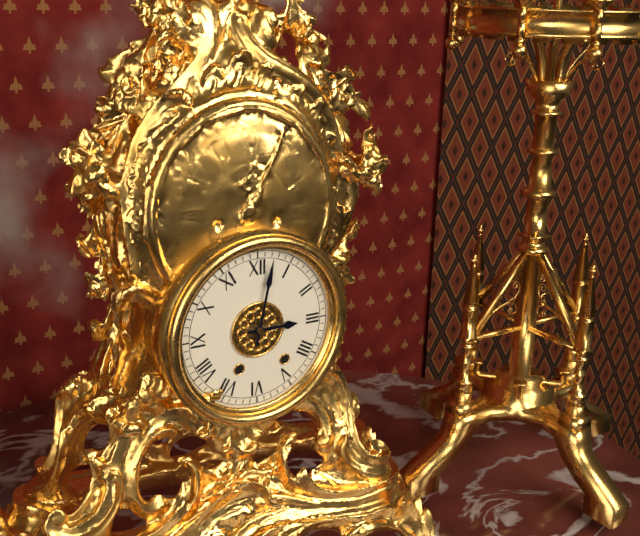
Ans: {"hour": 3, "minute": 2}
